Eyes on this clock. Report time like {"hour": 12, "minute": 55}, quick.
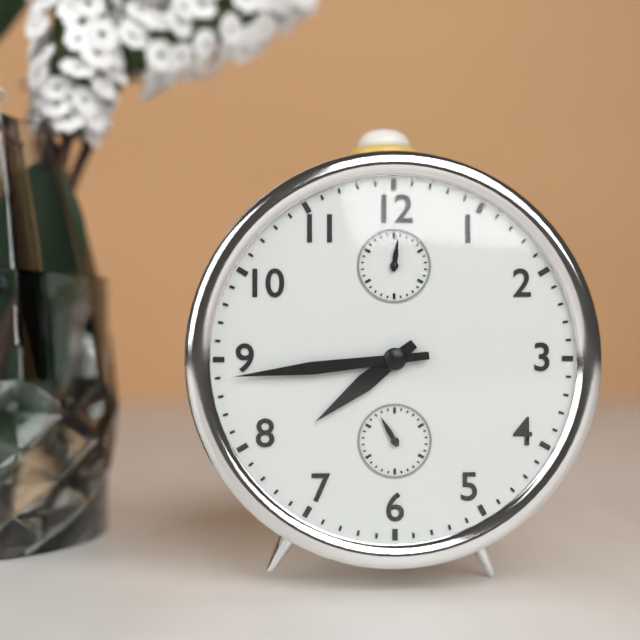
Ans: {"hour": 7, "minute": 44}
